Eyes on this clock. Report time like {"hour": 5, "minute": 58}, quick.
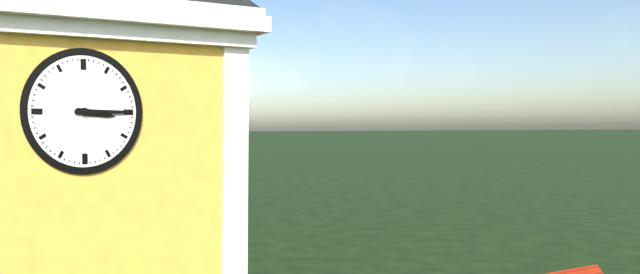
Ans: {"hour": 3, "minute": 15}
